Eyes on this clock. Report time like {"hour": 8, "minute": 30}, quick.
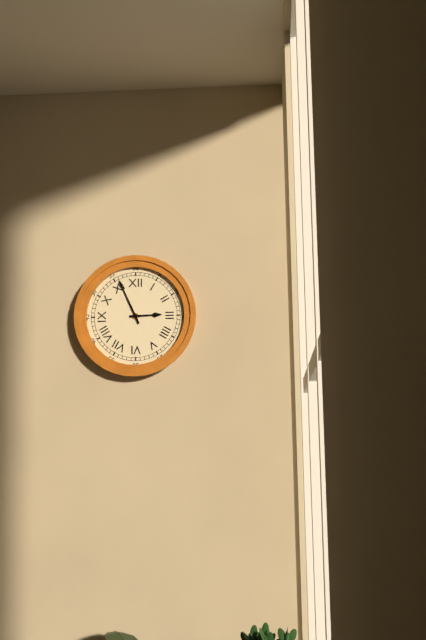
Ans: {"hour": 2, "minute": 56}
